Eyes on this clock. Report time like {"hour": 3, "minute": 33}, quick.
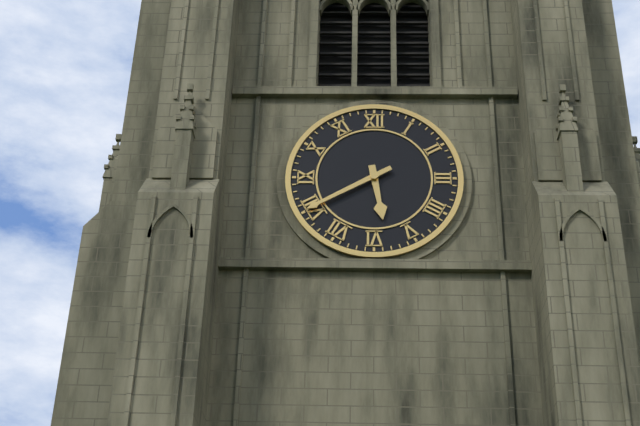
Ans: {"hour": 5, "minute": 40}
